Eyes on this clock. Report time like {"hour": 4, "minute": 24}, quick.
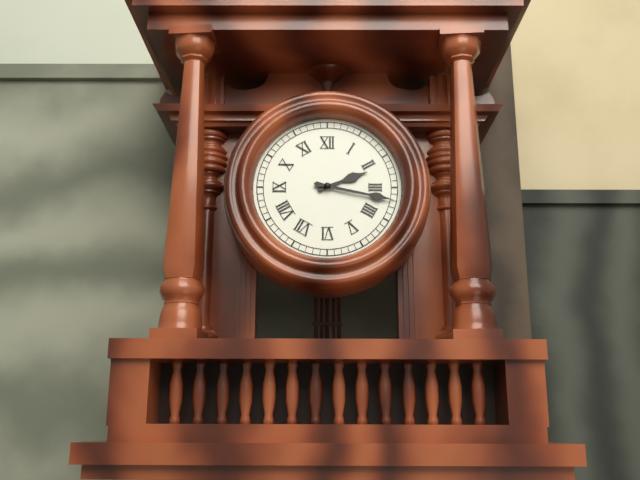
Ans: {"hour": 2, "minute": 17}
